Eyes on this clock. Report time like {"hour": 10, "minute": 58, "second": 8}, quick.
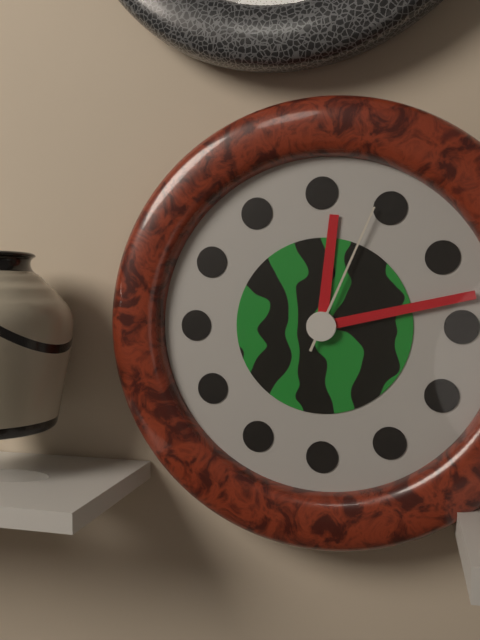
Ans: {"hour": 12, "minute": 13, "second": 4}
